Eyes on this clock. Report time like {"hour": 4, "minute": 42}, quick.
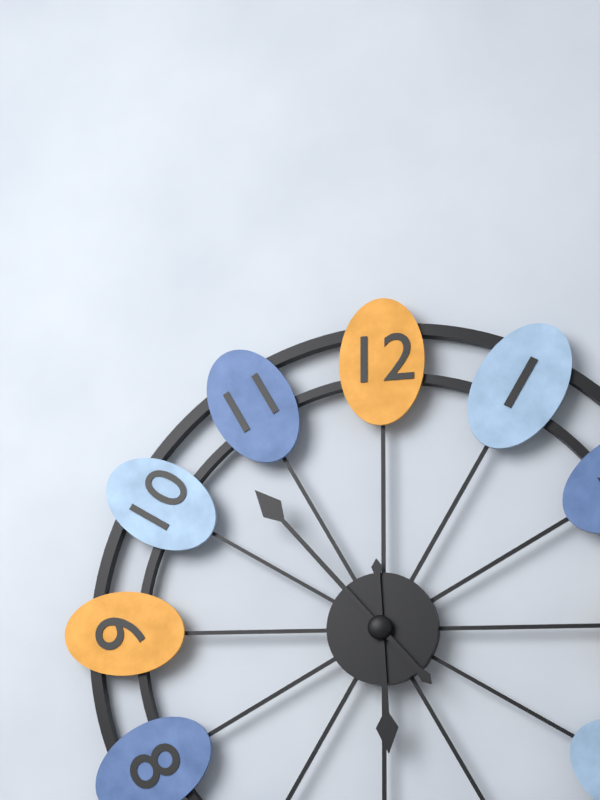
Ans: {"hour": 5, "minute": 53}
